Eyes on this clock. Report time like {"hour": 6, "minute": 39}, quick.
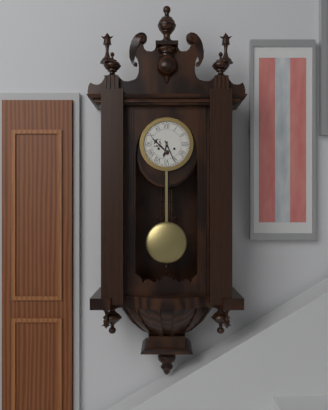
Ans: {"hour": 6, "minute": 26}
